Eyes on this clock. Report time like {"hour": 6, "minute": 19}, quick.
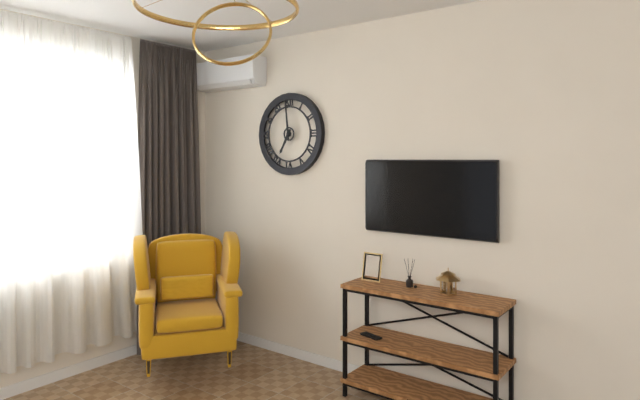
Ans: {"hour": 6, "minute": 59}
